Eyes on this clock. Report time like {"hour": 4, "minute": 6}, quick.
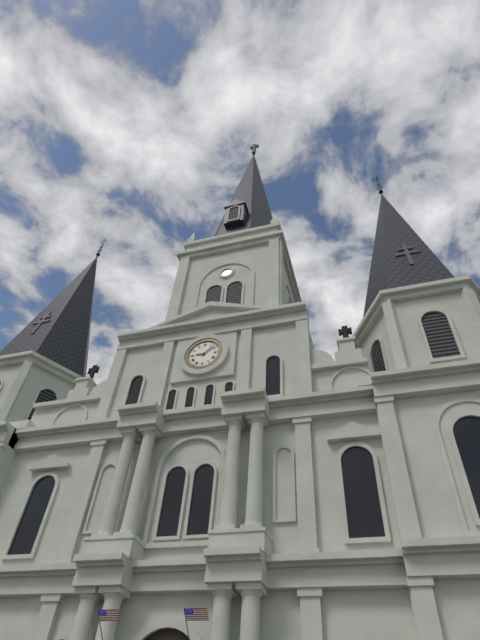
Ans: {"hour": 9, "minute": 8}
